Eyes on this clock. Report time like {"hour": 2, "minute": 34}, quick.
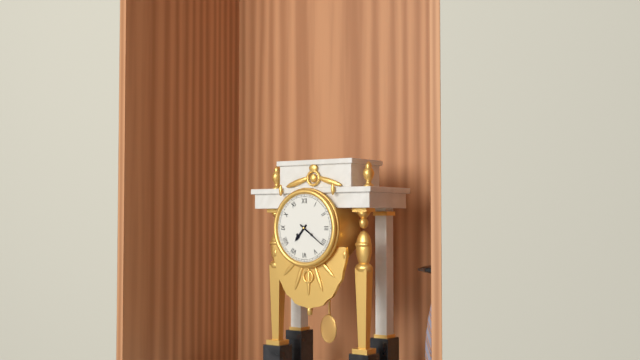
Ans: {"hour": 7, "minute": 21}
